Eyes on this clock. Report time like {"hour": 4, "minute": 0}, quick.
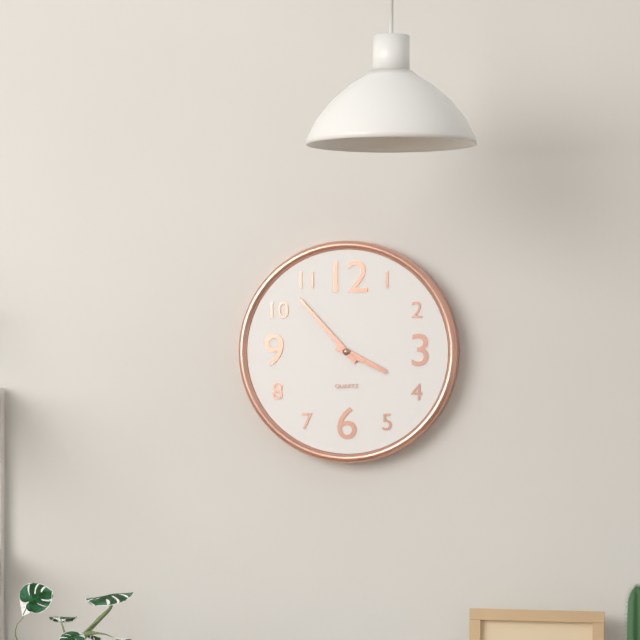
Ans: {"hour": 3, "minute": 53}
